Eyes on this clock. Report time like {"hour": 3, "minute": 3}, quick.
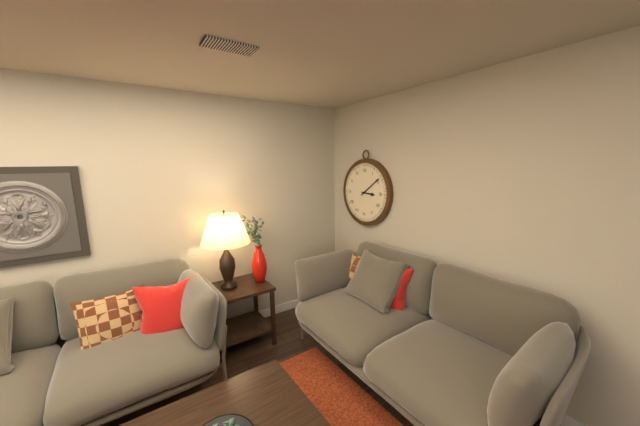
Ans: {"hour": 3, "minute": 9}
